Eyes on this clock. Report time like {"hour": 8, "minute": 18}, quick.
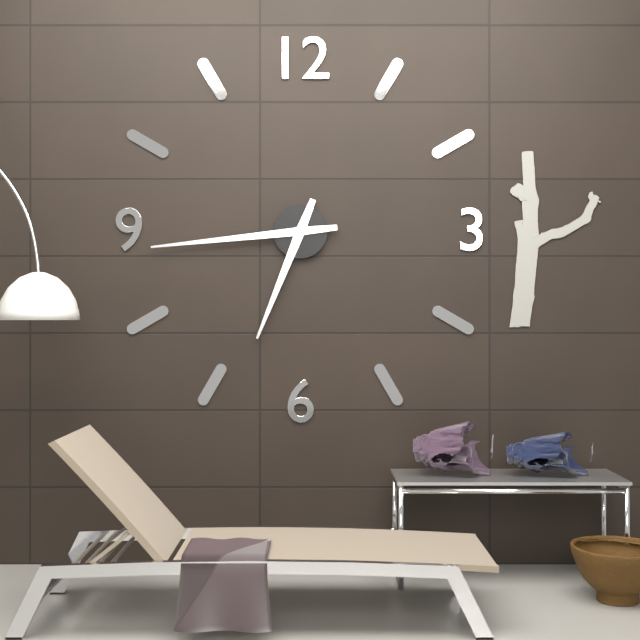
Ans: {"hour": 6, "minute": 44}
